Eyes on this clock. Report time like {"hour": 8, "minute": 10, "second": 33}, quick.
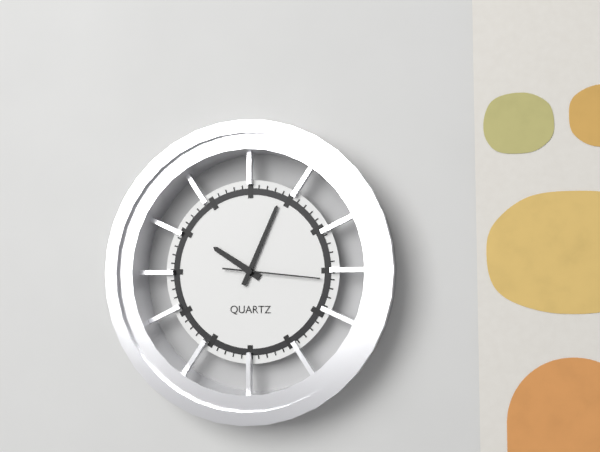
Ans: {"hour": 10, "minute": 4, "second": 16}
